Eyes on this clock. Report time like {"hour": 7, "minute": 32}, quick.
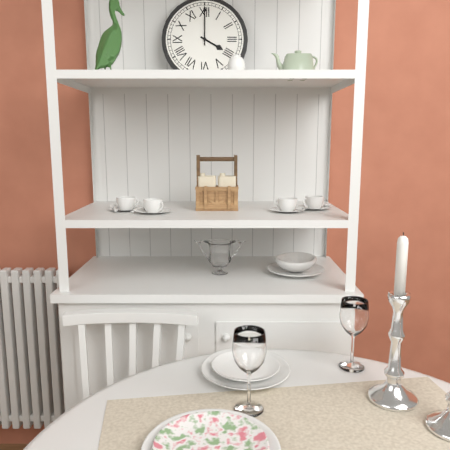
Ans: {"hour": 4, "minute": 0}
